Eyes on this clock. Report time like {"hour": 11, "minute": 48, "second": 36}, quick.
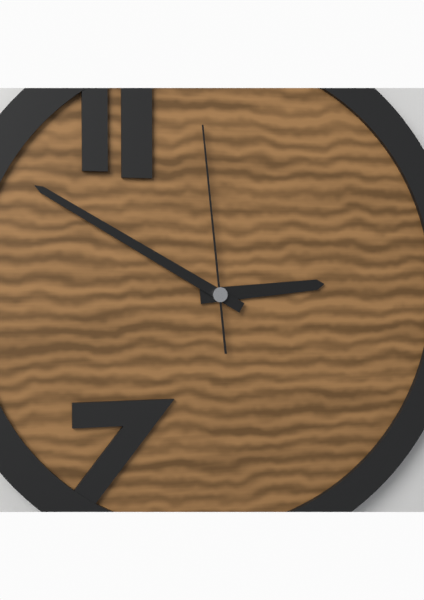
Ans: {"hour": 2, "minute": 50, "second": 59}
